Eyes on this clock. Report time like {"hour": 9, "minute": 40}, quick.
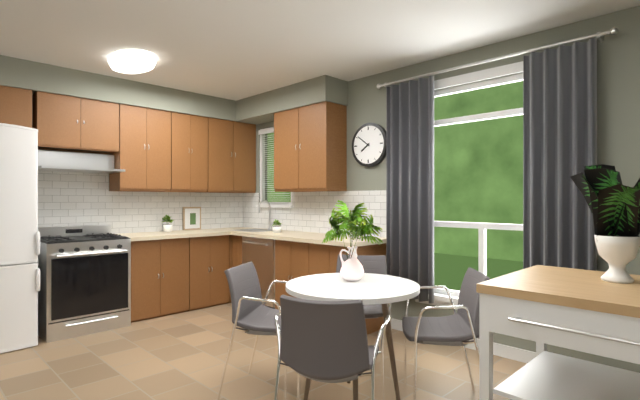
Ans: {"hour": 7, "minute": 51}
